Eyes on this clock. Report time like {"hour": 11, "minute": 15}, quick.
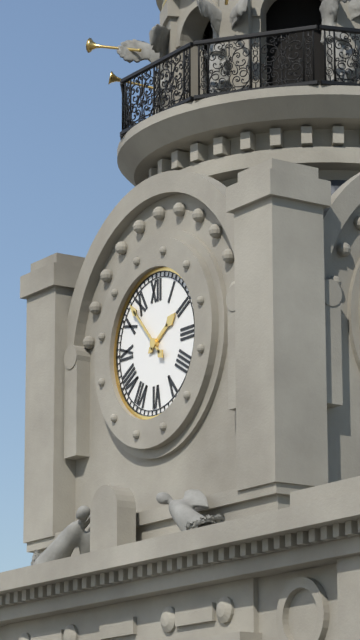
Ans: {"hour": 1, "minute": 53}
